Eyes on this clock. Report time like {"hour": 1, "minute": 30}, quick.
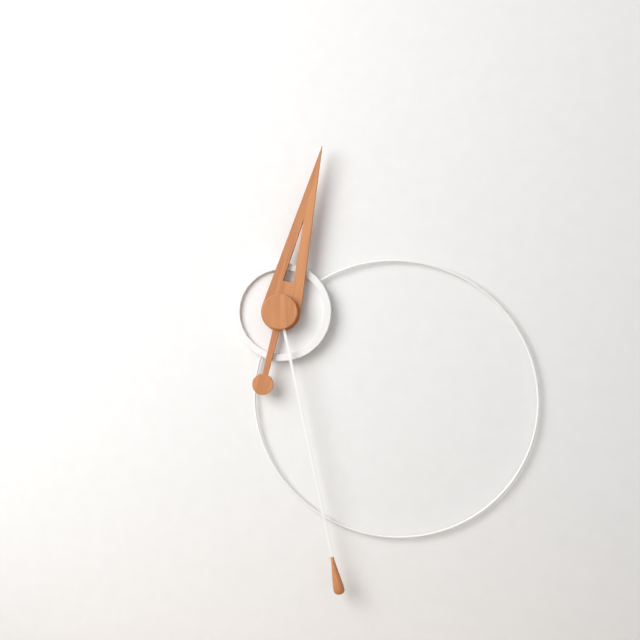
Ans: {"hour": 12, "minute": 28}
